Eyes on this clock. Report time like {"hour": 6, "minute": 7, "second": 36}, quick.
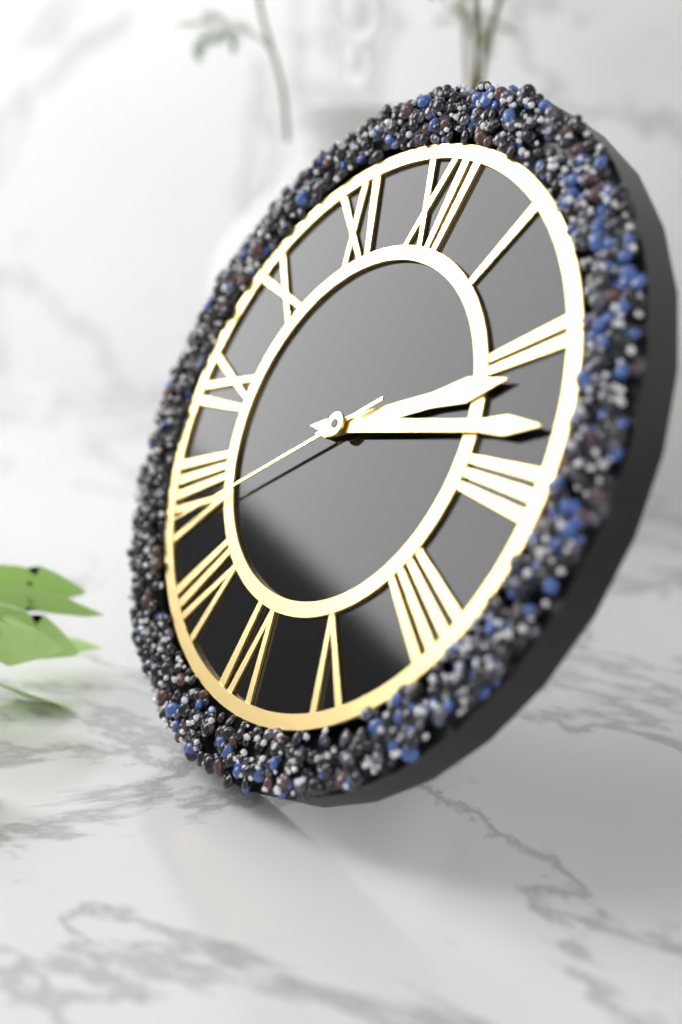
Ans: {"hour": 2, "minute": 13, "second": 39}
